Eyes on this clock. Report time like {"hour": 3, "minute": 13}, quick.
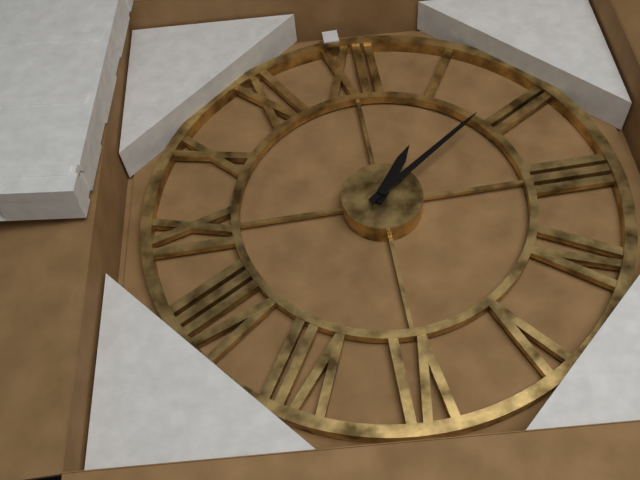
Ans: {"hour": 1, "minute": 9}
